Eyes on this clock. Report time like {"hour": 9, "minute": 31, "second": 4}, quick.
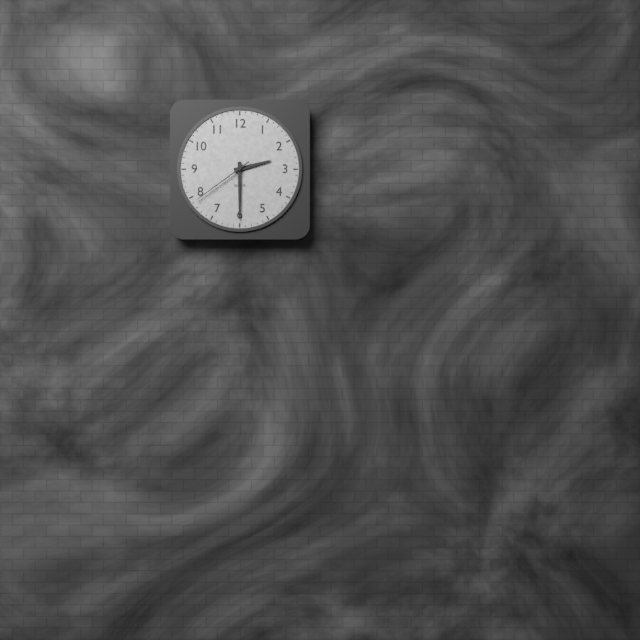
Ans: {"hour": 2, "minute": 30, "second": 39}
